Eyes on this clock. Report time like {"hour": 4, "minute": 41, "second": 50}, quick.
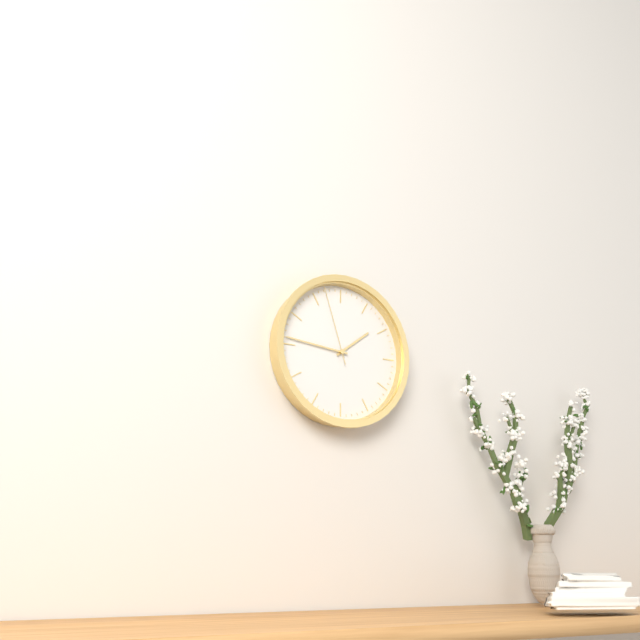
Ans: {"hour": 1, "minute": 46, "second": 57}
